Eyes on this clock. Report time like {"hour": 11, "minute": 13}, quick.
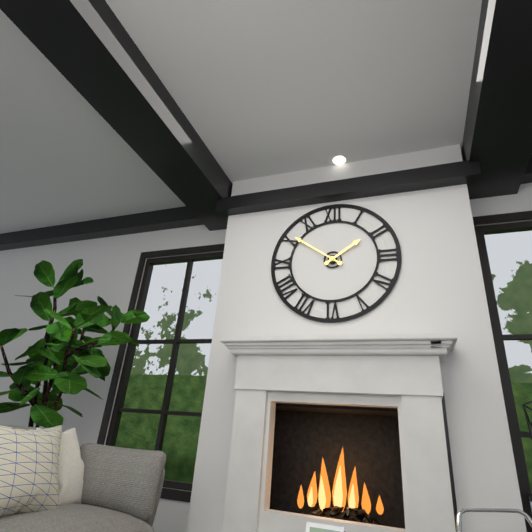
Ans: {"hour": 1, "minute": 51}
